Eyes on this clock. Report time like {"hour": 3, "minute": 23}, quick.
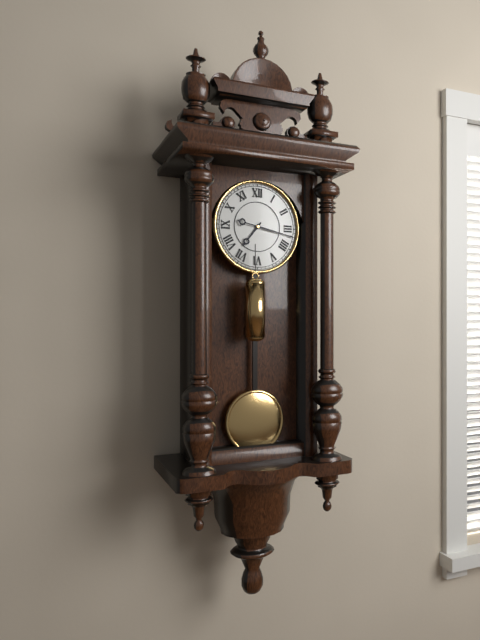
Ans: {"hour": 7, "minute": 17}
